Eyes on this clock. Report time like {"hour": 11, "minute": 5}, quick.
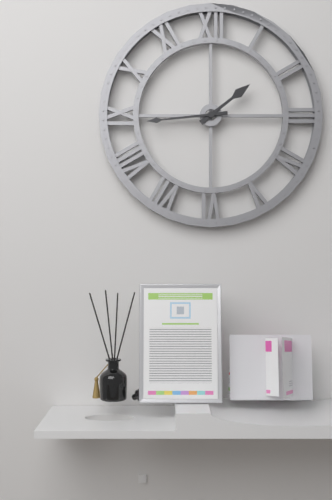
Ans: {"hour": 1, "minute": 44}
